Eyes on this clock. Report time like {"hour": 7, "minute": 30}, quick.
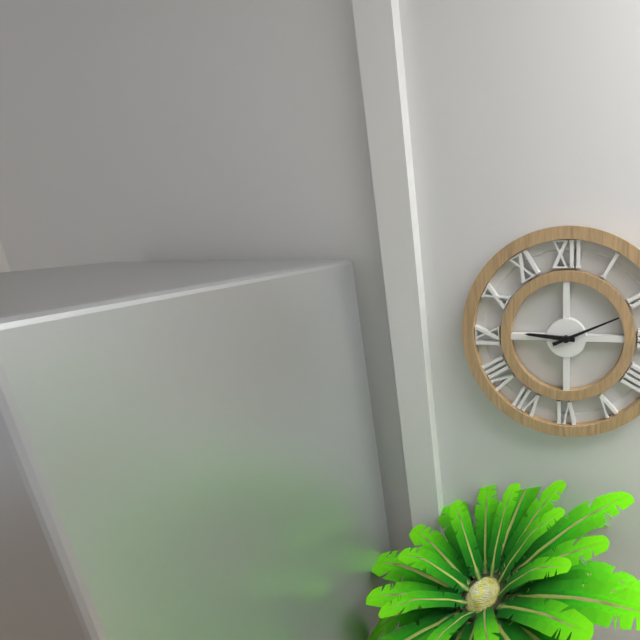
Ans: {"hour": 9, "minute": 11}
